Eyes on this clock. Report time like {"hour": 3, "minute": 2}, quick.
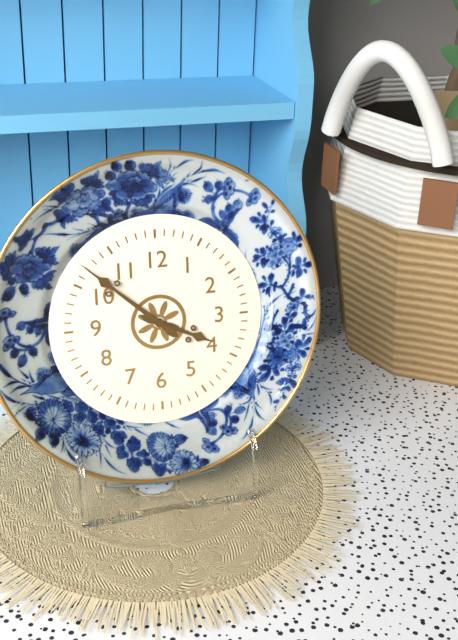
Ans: {"hour": 3, "minute": 52}
